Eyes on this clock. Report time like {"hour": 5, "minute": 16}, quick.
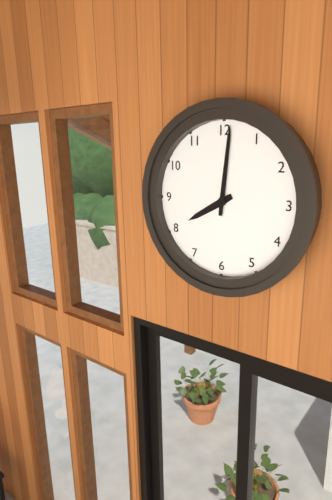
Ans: {"hour": 8, "minute": 1}
